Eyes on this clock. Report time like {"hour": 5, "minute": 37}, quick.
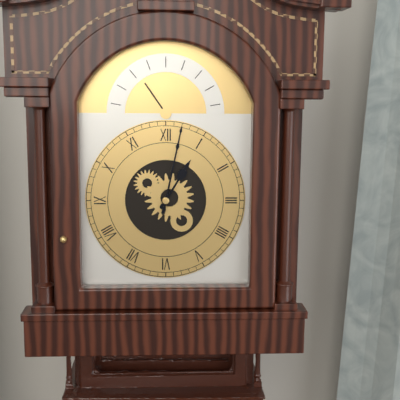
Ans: {"hour": 1, "minute": 2}
